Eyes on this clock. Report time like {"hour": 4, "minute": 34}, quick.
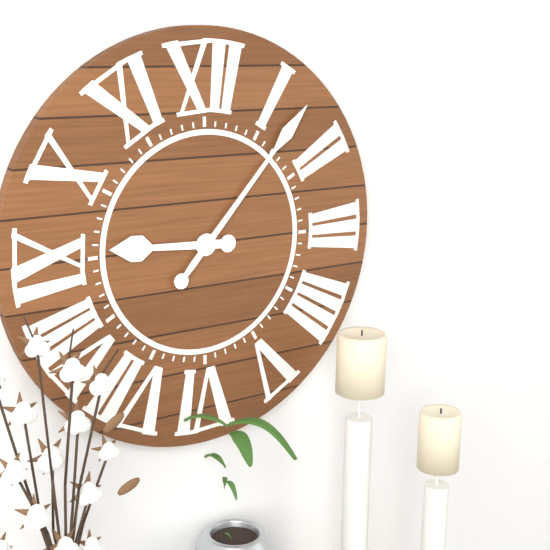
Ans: {"hour": 9, "minute": 7}
